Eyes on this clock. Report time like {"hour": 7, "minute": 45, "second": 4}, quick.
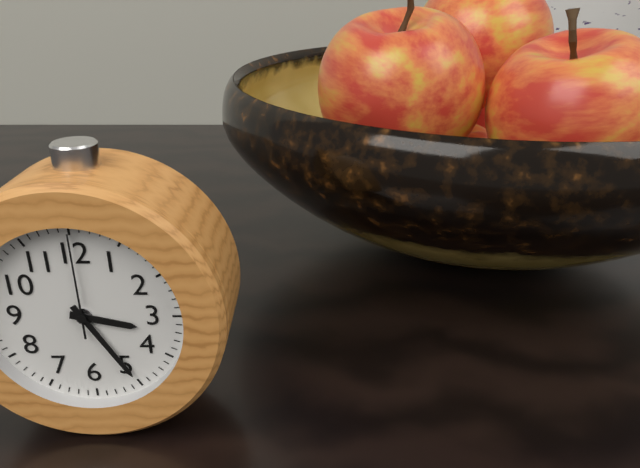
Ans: {"hour": 3, "minute": 25, "second": 0}
